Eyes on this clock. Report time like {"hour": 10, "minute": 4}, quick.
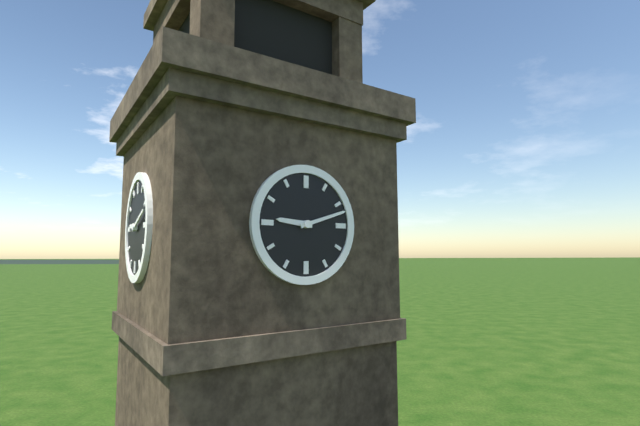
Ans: {"hour": 9, "minute": 12}
